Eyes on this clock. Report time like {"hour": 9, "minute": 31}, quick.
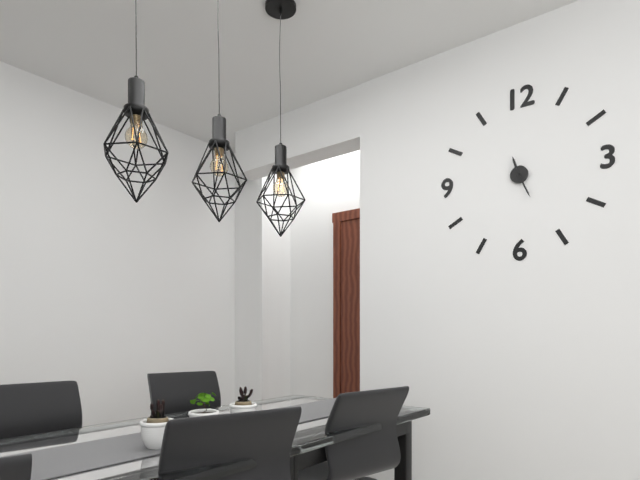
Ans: {"hour": 11, "minute": 26}
